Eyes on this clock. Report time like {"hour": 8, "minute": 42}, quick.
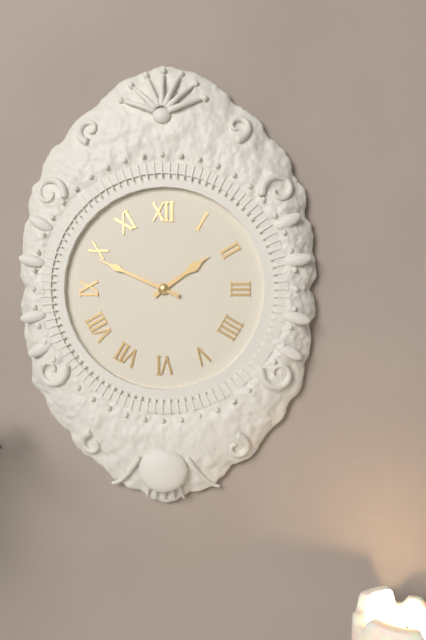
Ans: {"hour": 1, "minute": 49}
